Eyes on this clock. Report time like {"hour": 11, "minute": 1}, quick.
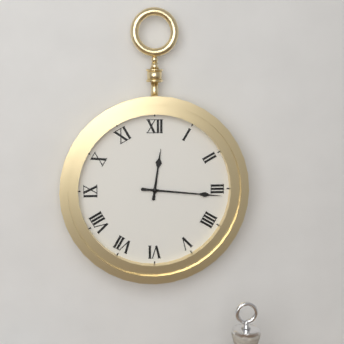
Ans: {"hour": 12, "minute": 16}
